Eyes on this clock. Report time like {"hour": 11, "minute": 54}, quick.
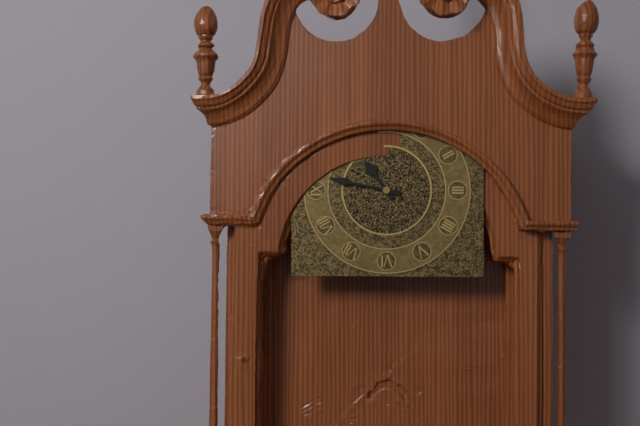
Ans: {"hour": 10, "minute": 47}
